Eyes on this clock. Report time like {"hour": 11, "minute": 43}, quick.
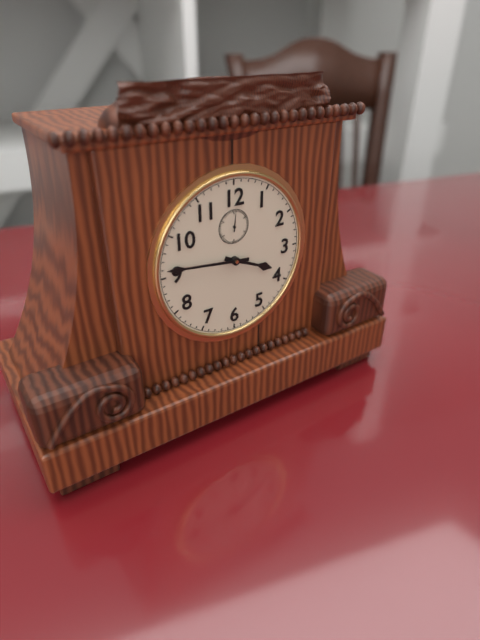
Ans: {"hour": 3, "minute": 46}
